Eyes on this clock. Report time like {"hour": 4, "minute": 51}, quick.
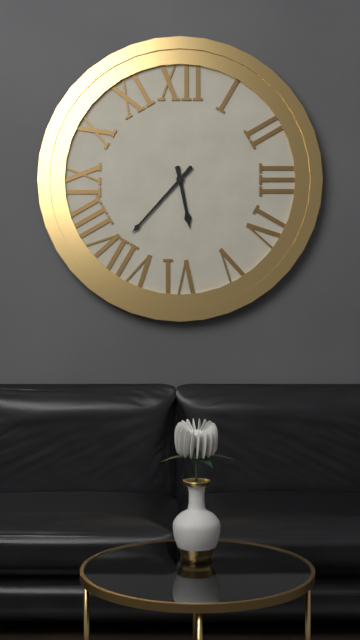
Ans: {"hour": 5, "minute": 37}
